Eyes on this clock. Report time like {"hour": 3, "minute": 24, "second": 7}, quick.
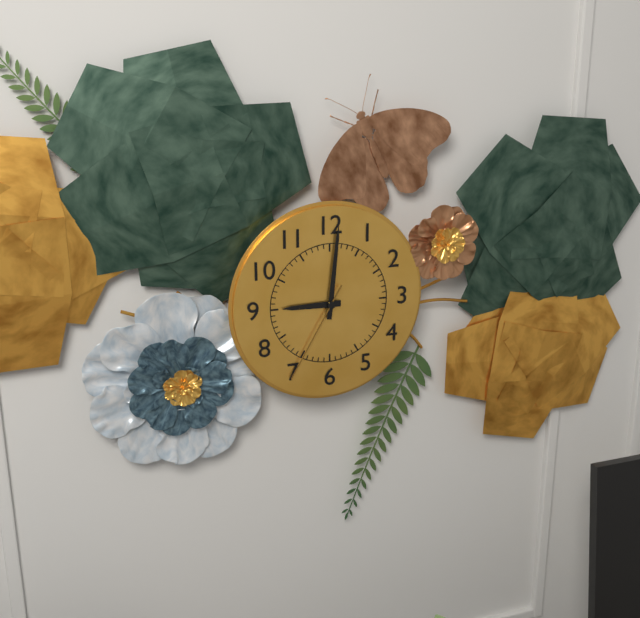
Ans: {"hour": 9, "minute": 1, "second": 35}
